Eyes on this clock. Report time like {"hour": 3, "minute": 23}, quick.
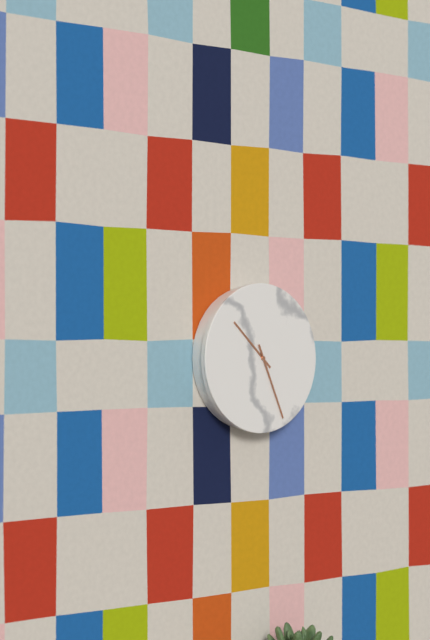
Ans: {"hour": 10, "minute": 26}
